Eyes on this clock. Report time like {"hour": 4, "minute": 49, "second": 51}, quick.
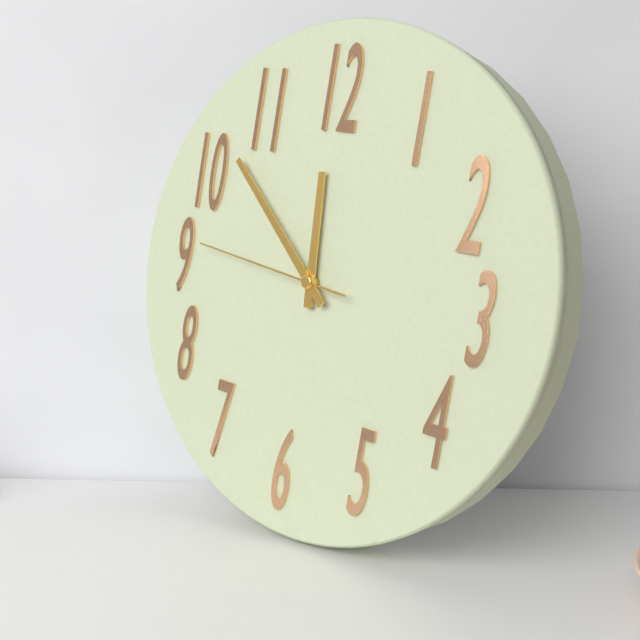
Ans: {"hour": 11, "minute": 52, "second": 46}
